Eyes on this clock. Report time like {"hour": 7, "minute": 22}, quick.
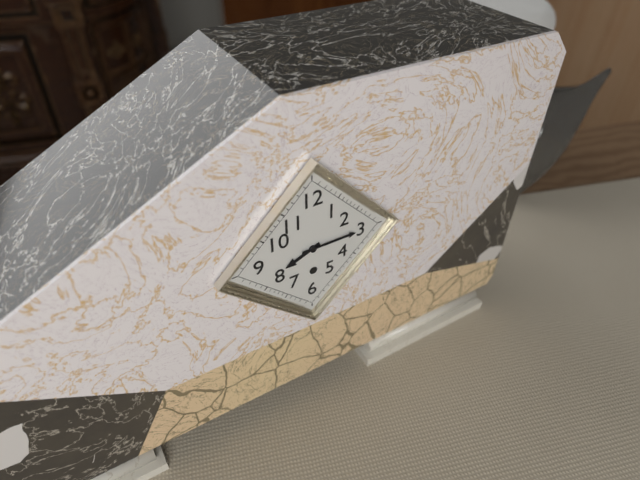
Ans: {"hour": 8, "minute": 15}
